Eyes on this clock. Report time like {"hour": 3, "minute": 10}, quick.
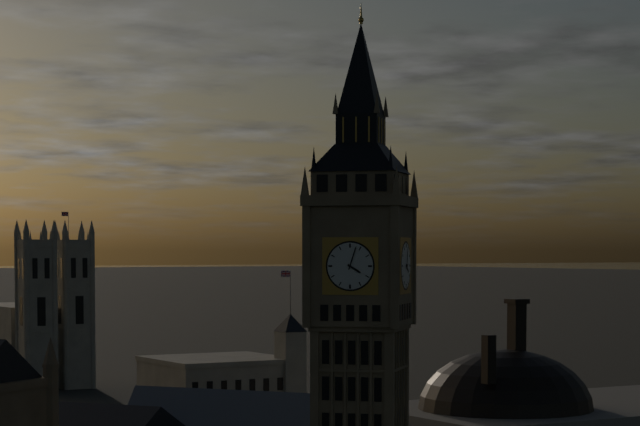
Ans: {"hour": 4, "minute": 3}
